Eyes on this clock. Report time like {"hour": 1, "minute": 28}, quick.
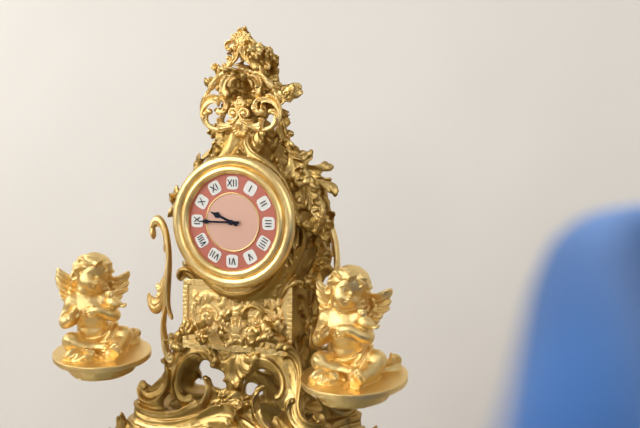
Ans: {"hour": 9, "minute": 45}
